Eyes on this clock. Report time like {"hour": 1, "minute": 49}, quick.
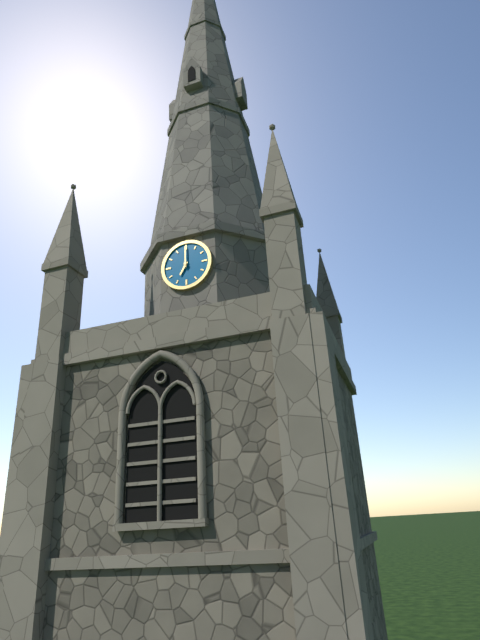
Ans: {"hour": 7, "minute": 0}
